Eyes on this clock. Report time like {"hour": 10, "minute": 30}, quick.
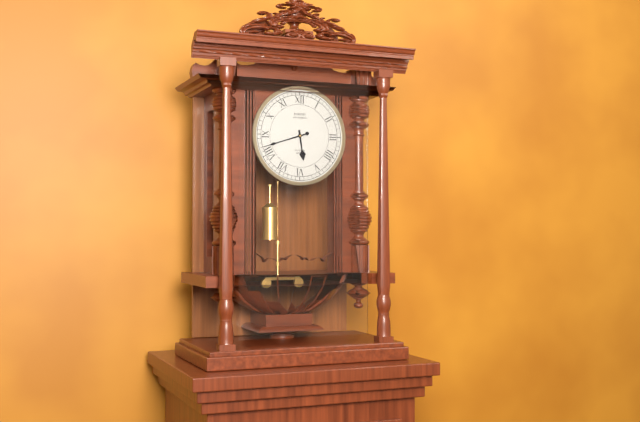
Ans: {"hour": 5, "minute": 42}
